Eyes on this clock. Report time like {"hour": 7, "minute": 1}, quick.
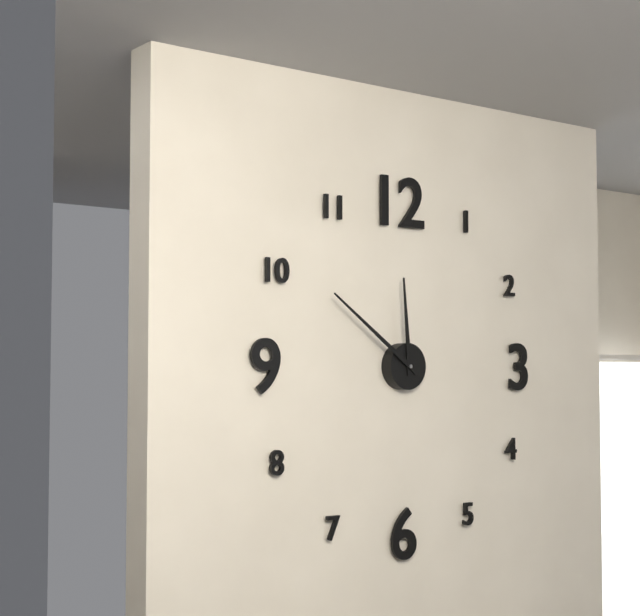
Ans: {"hour": 11, "minute": 51}
